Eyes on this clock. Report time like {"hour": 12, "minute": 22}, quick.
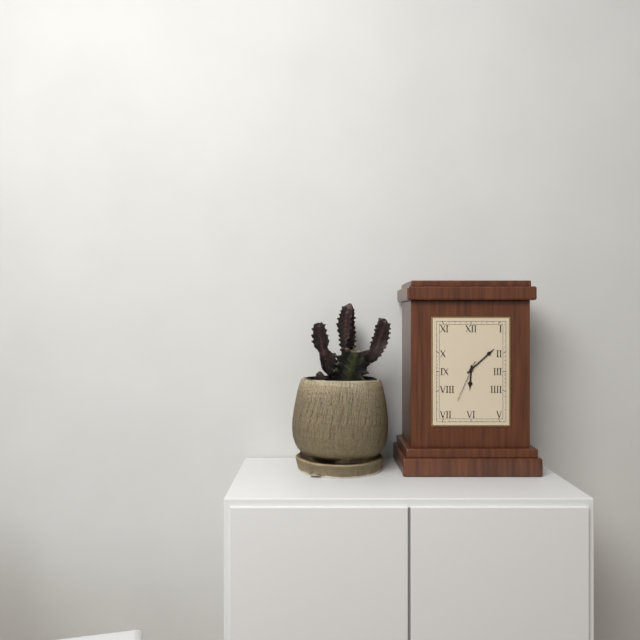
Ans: {"hour": 6, "minute": 8}
